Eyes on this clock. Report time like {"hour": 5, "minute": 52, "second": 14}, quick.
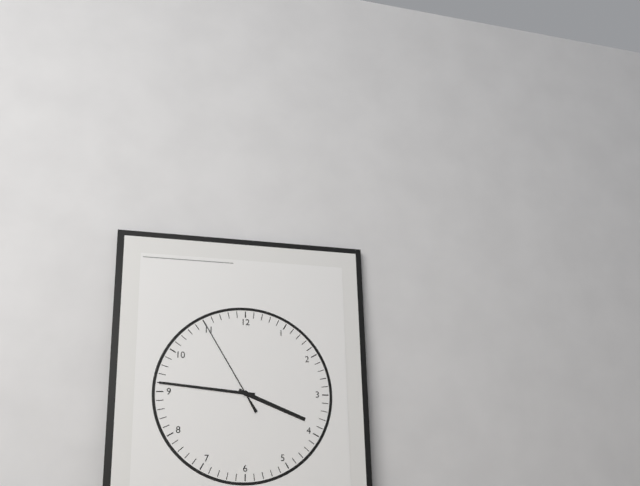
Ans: {"hour": 3, "minute": 46, "second": 55}
